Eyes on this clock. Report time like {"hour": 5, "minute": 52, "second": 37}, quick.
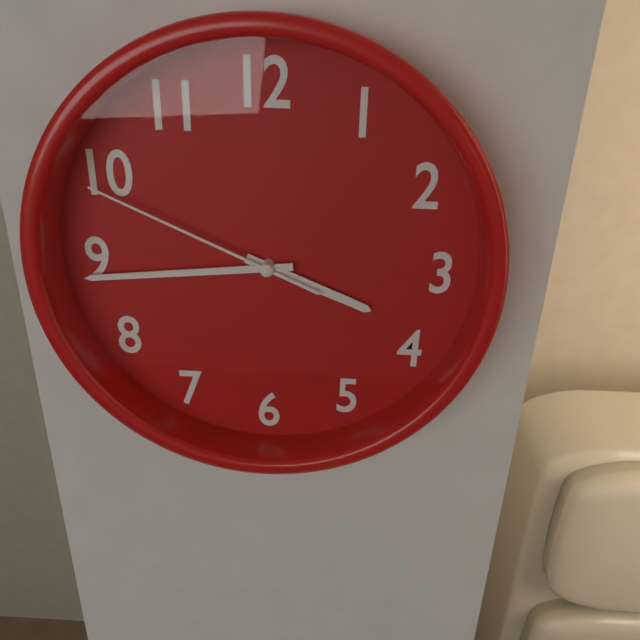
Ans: {"hour": 3, "minute": 44, "second": 49}
